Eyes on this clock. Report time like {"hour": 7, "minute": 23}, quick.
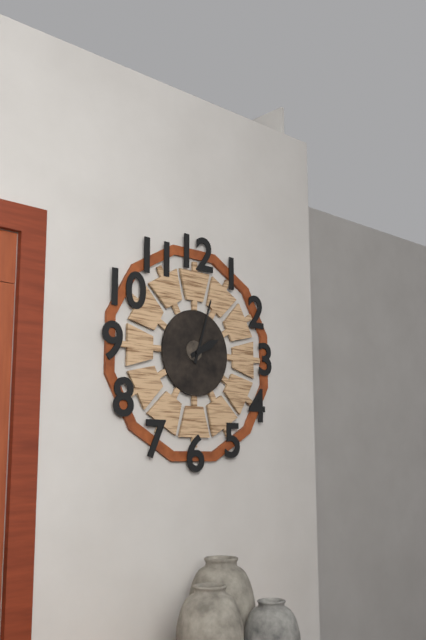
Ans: {"hour": 2, "minute": 3}
